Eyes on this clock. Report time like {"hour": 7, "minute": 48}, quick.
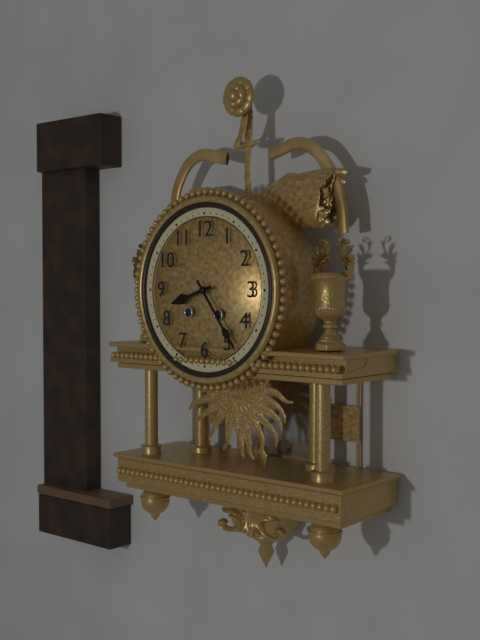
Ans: {"hour": 8, "minute": 24}
